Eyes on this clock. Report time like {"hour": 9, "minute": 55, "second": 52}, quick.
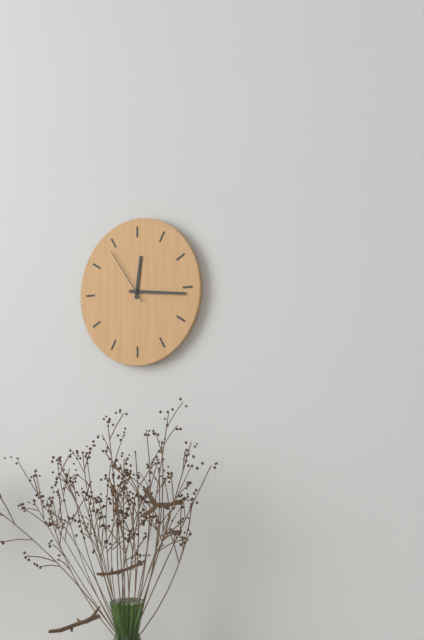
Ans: {"hour": 12, "minute": 16, "second": 54}
